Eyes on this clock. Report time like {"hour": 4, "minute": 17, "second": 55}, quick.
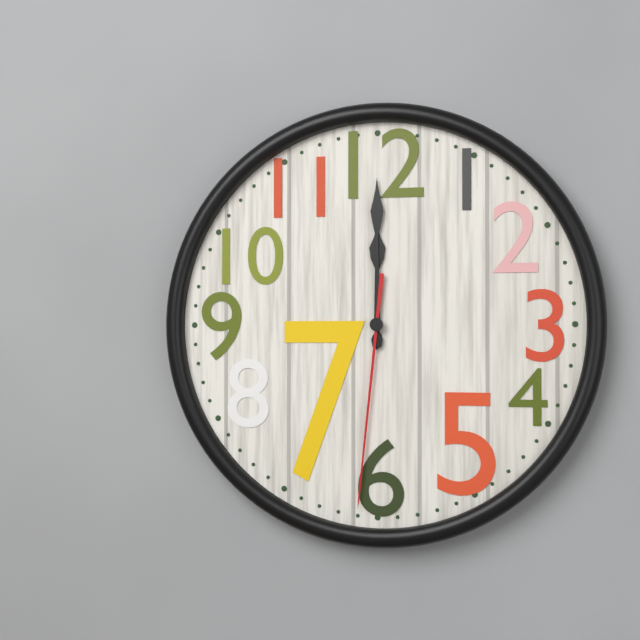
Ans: {"hour": 12, "minute": 0, "second": 31}
